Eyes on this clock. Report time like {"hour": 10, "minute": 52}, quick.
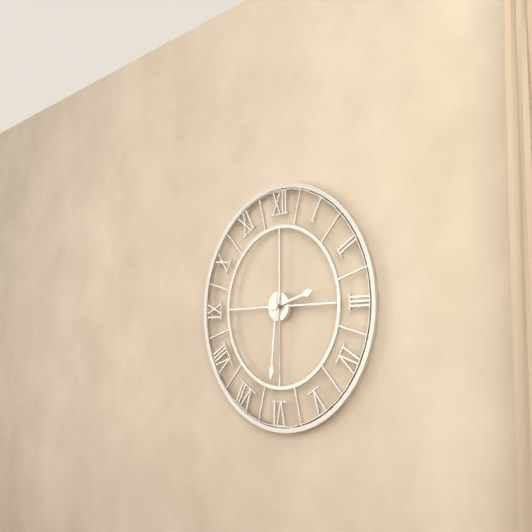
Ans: {"hour": 2, "minute": 31}
